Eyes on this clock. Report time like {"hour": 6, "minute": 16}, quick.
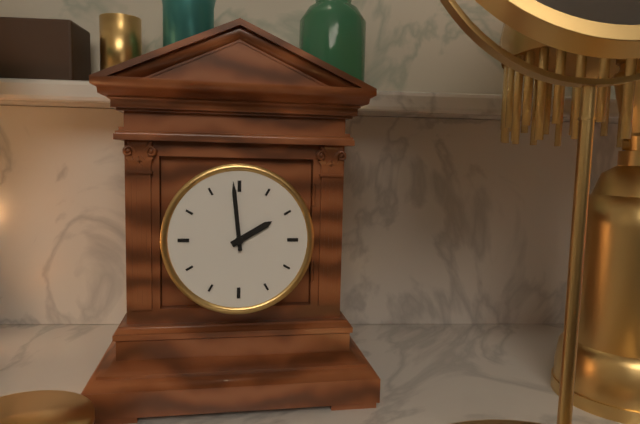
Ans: {"hour": 1, "minute": 59}
